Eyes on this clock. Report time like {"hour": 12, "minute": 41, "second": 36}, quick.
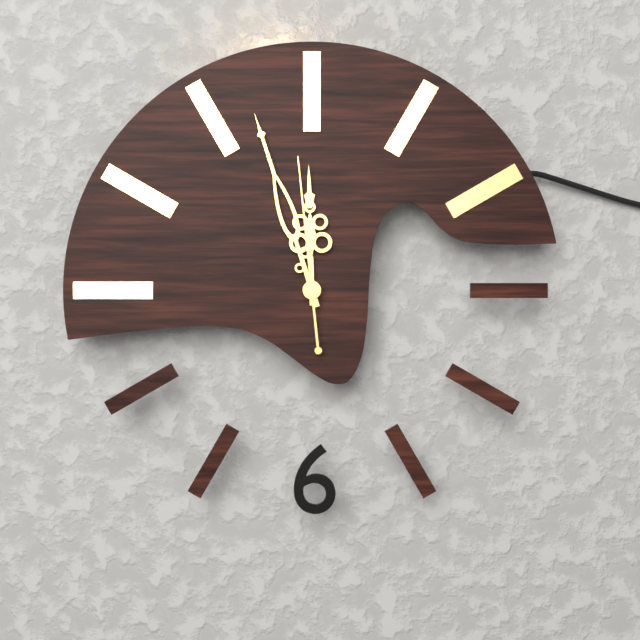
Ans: {"hour": 11, "minute": 57, "second": 59}
